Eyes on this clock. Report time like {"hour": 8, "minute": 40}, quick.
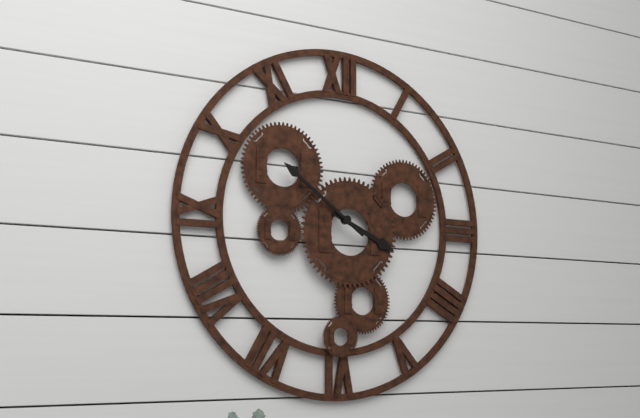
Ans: {"hour": 3, "minute": 51}
